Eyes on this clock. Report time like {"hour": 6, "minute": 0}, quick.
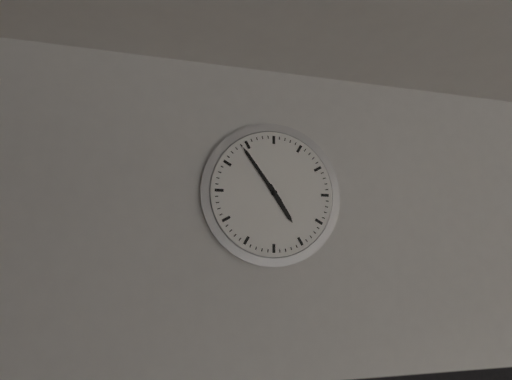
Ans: {"hour": 4, "minute": 54}
